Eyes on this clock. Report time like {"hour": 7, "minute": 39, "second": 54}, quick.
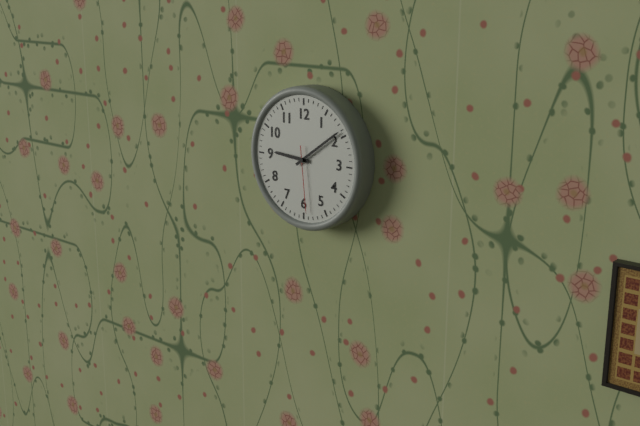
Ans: {"hour": 9, "minute": 9, "second": 29}
